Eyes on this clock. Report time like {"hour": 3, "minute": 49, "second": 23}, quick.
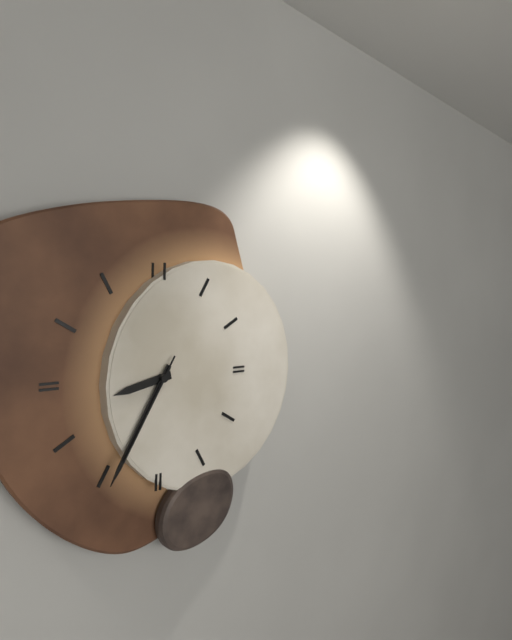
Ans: {"hour": 8, "minute": 35, "second": 35}
